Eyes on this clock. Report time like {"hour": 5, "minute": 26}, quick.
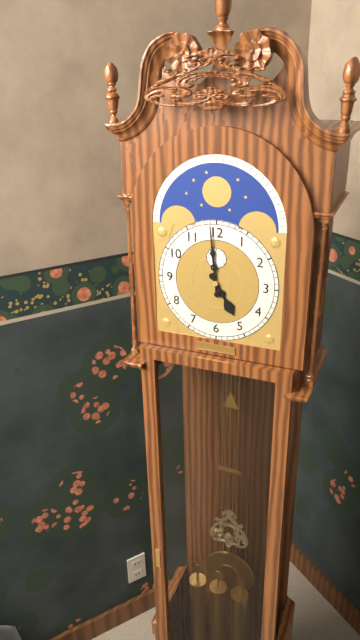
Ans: {"hour": 4, "minute": 59}
